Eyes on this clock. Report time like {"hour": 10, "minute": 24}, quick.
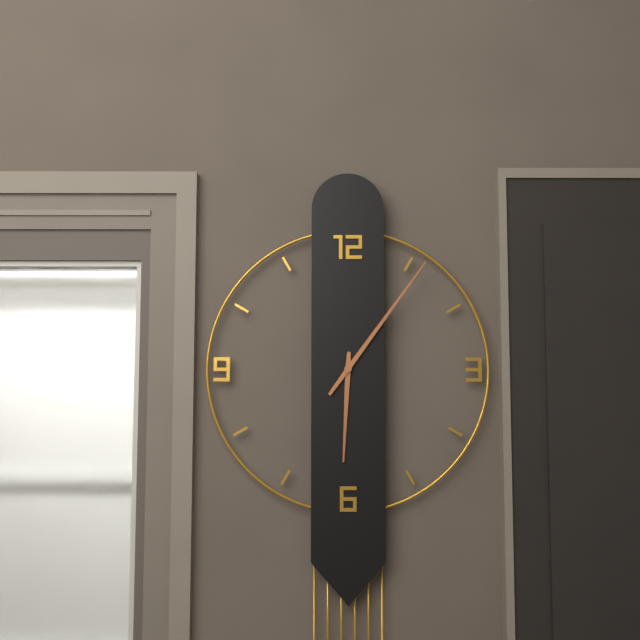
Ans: {"hour": 6, "minute": 6}
